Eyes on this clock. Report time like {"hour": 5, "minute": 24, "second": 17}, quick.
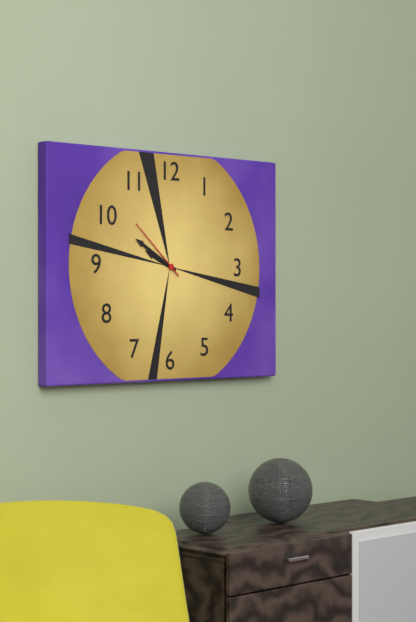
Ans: {"hour": 9, "minute": 50, "second": 52}
